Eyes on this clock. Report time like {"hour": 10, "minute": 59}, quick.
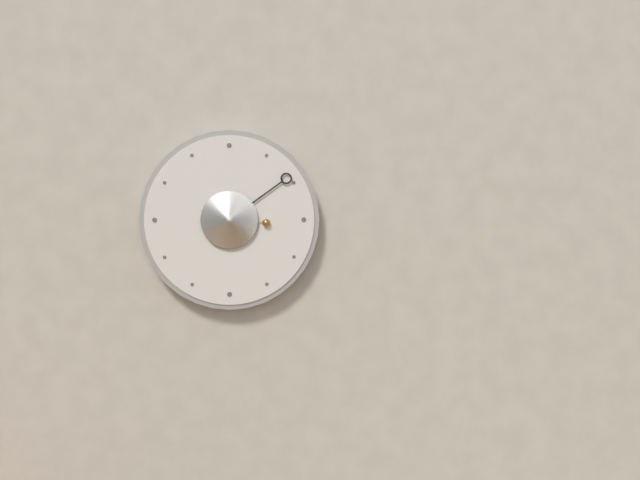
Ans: {"hour": 3, "minute": 9}
